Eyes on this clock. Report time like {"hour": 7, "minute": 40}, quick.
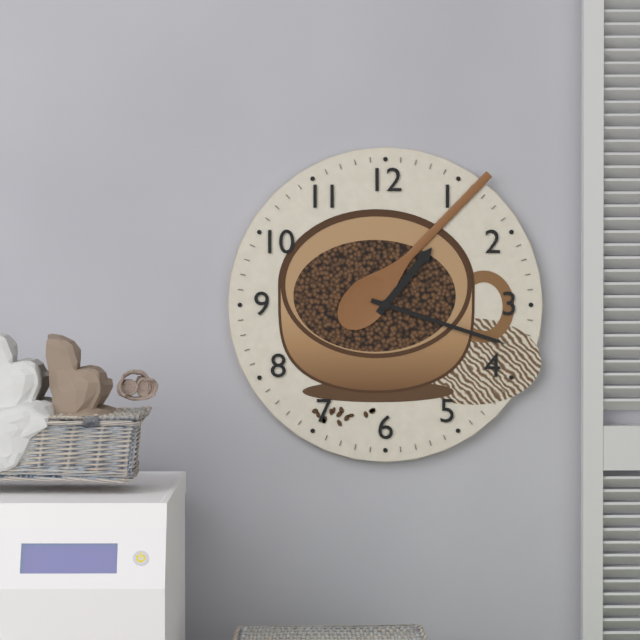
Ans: {"hour": 1, "minute": 18}
